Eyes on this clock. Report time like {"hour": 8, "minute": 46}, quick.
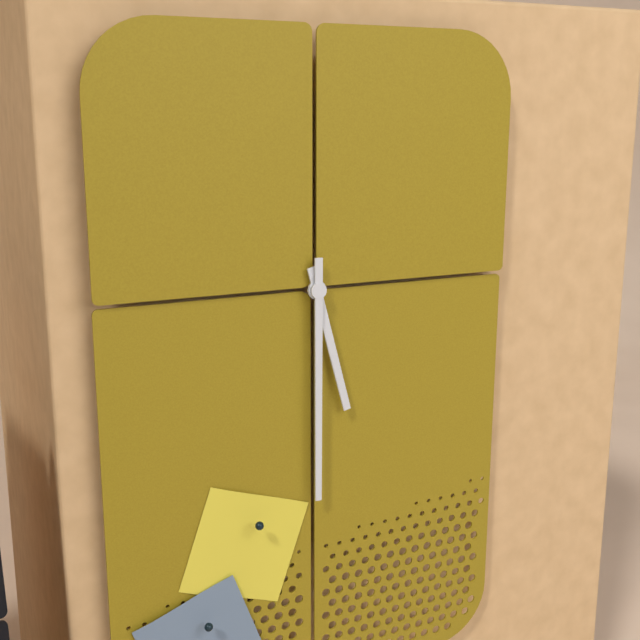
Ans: {"hour": 5, "minute": 30}
